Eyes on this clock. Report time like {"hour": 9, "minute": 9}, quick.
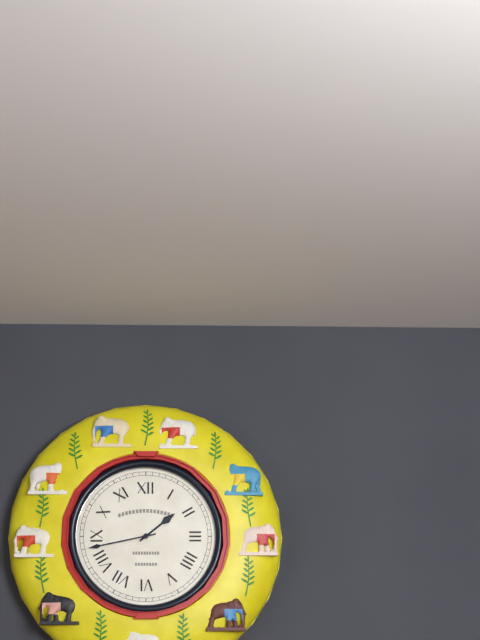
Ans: {"hour": 1, "minute": 43}
